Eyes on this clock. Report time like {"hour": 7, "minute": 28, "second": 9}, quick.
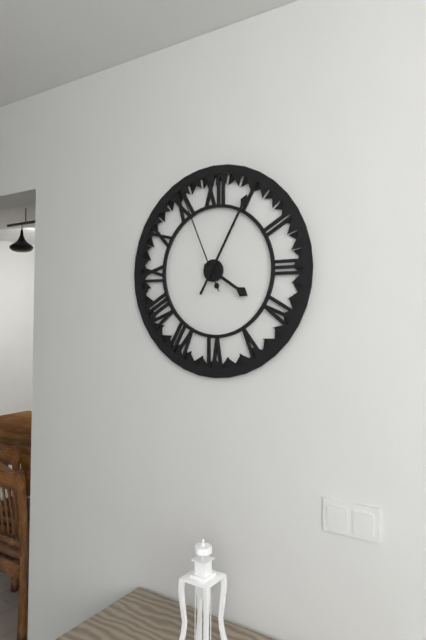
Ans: {"hour": 4, "minute": 5, "second": 56}
